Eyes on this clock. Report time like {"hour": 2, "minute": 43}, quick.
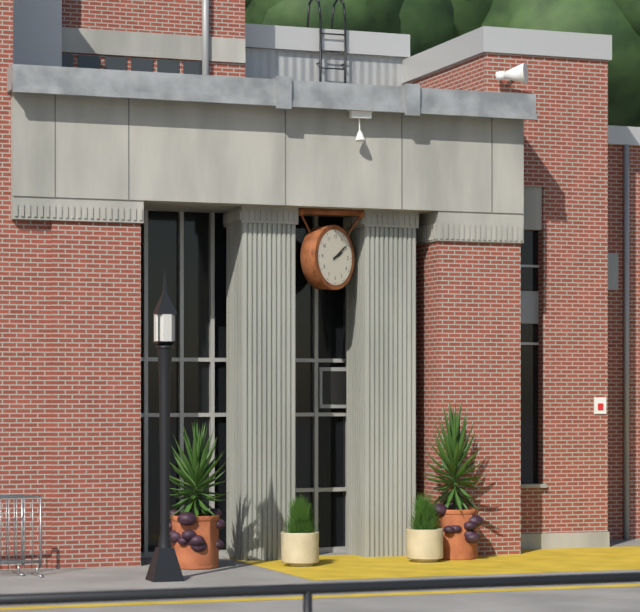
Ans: {"hour": 2, "minute": 9}
